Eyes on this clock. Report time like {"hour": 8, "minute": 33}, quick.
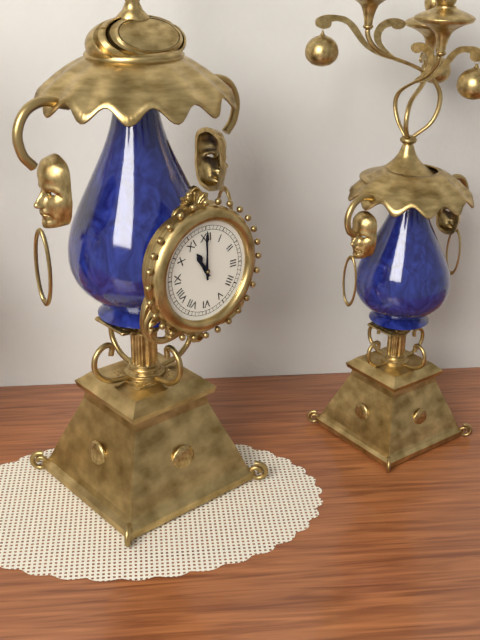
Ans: {"hour": 11, "minute": 0}
